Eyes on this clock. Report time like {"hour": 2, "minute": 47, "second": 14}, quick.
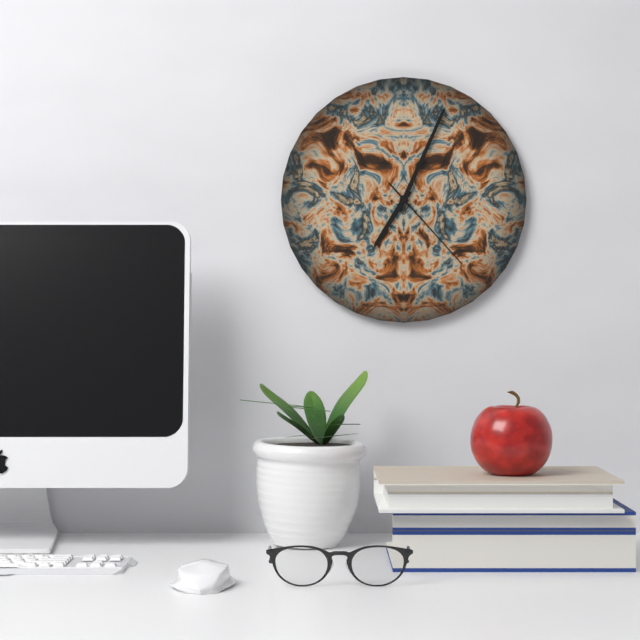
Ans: {"hour": 7, "minute": 4, "second": 23}
